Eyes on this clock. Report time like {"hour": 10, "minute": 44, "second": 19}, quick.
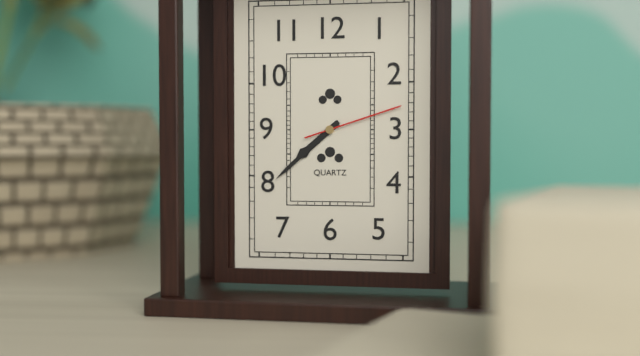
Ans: {"hour": 7, "minute": 38, "second": 12}
